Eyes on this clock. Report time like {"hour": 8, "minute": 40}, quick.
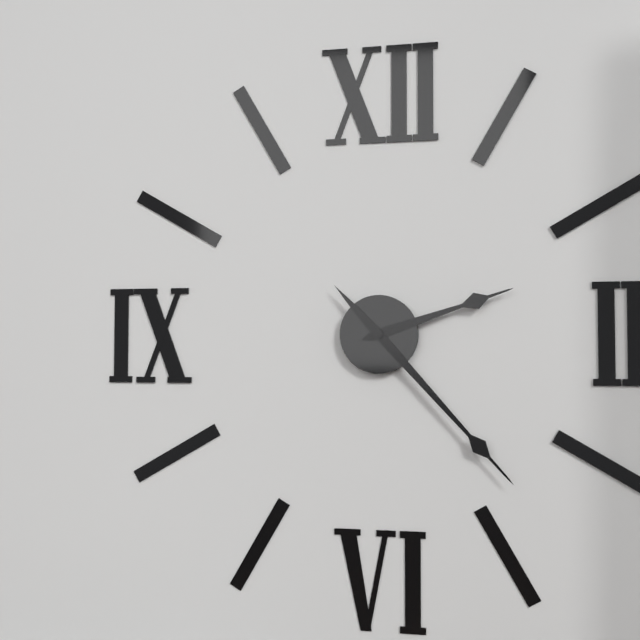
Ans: {"hour": 2, "minute": 23}
